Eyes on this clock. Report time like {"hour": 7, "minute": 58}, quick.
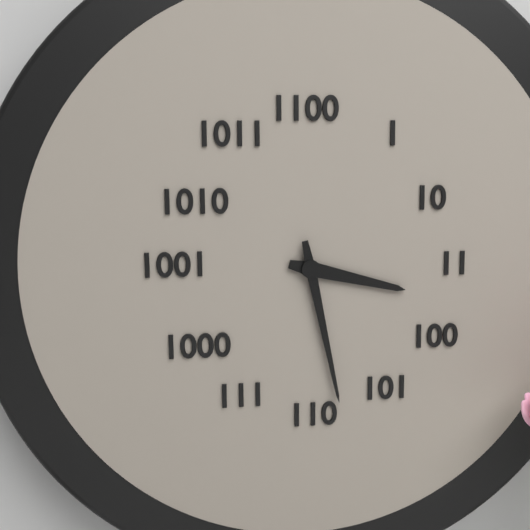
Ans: {"hour": 3, "minute": 28}
